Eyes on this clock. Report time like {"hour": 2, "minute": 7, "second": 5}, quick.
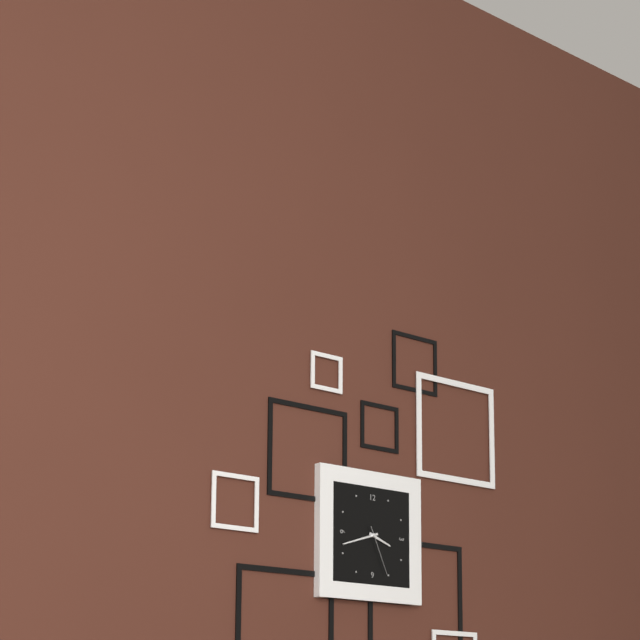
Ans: {"hour": 3, "minute": 42, "second": 26}
